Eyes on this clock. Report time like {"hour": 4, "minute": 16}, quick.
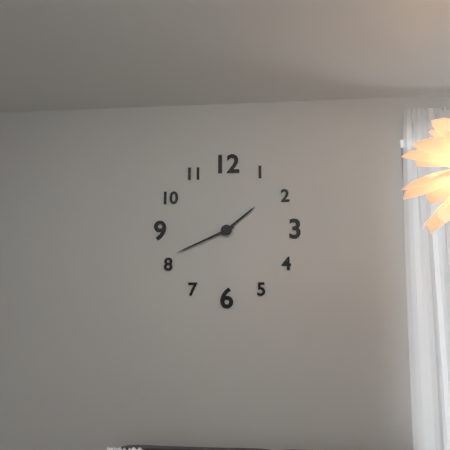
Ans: {"hour": 1, "minute": 41}
